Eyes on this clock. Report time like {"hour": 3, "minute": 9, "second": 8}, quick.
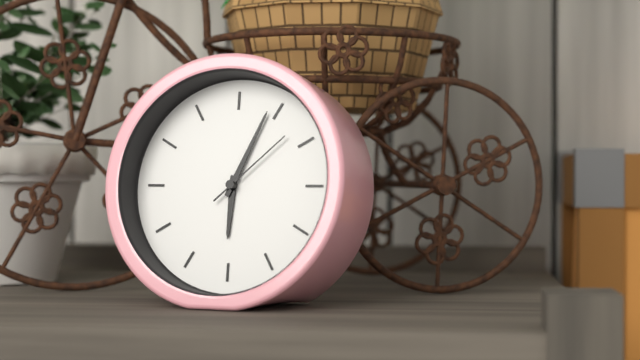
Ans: {"hour": 6, "minute": 4, "second": 8}
